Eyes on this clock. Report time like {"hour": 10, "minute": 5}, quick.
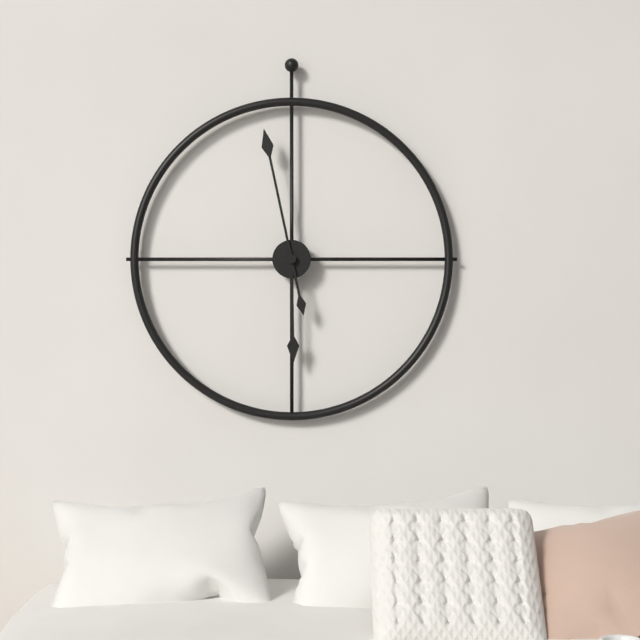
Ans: {"hour": 5, "minute": 58}
